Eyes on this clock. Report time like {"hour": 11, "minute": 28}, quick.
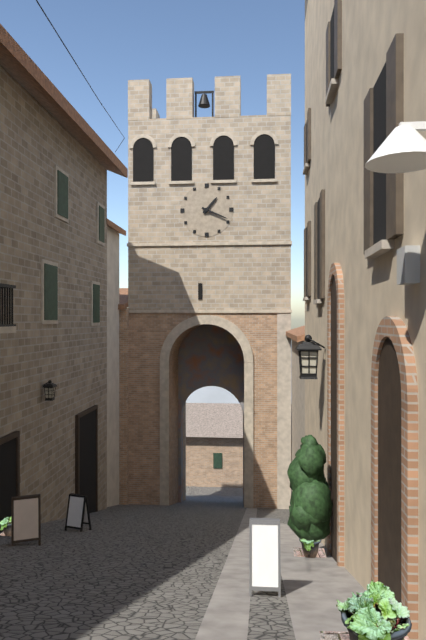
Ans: {"hour": 1, "minute": 19}
